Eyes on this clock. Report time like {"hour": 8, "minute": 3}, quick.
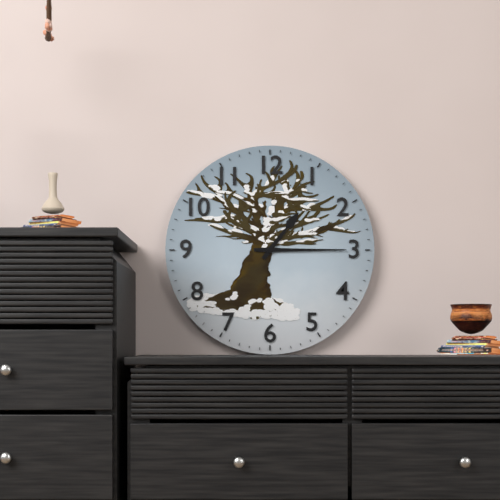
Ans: {"hour": 1, "minute": 15}
